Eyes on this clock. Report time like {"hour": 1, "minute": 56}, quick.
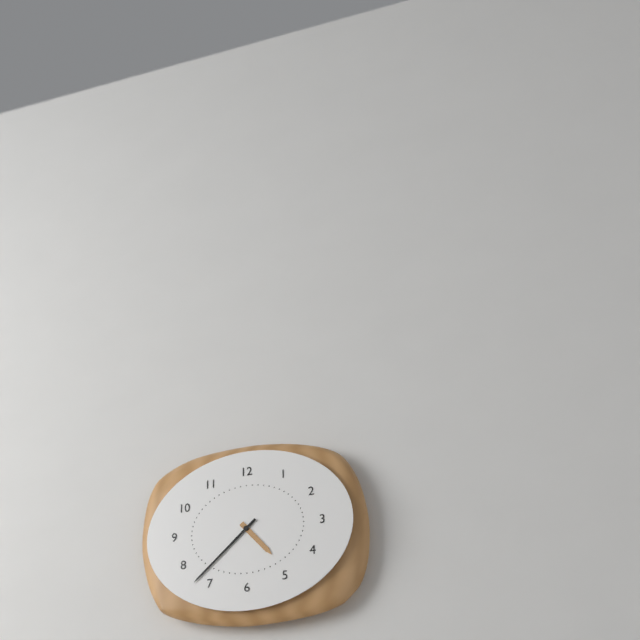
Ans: {"hour": 4, "minute": 38}
